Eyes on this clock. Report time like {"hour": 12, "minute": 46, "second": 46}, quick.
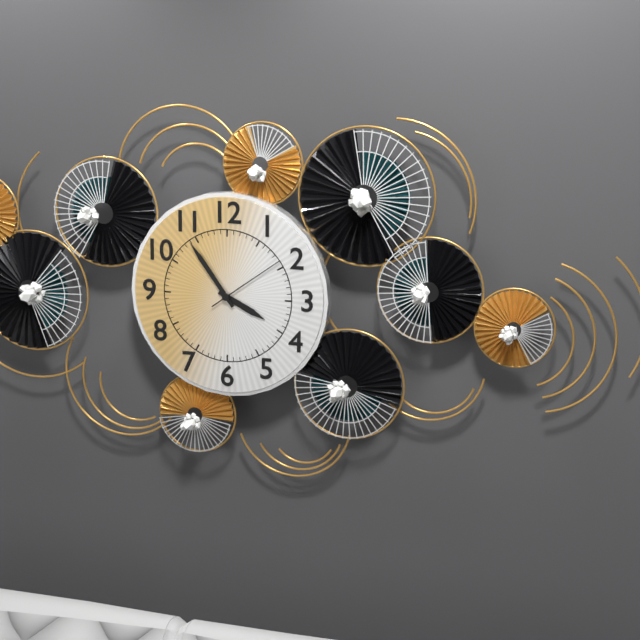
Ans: {"hour": 3, "minute": 54, "second": 9}
